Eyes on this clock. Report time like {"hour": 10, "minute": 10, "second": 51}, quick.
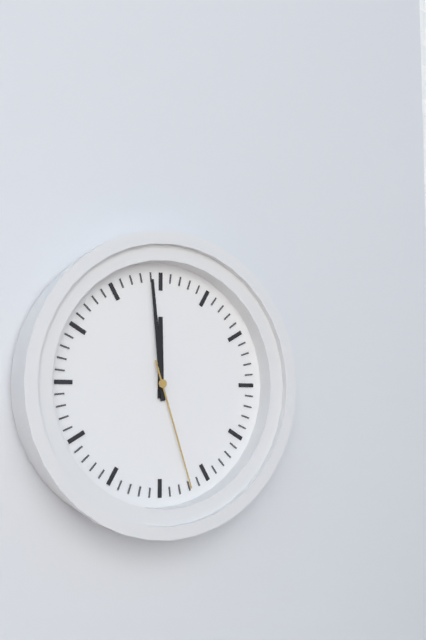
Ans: {"hour": 11, "minute": 59, "second": 27}
